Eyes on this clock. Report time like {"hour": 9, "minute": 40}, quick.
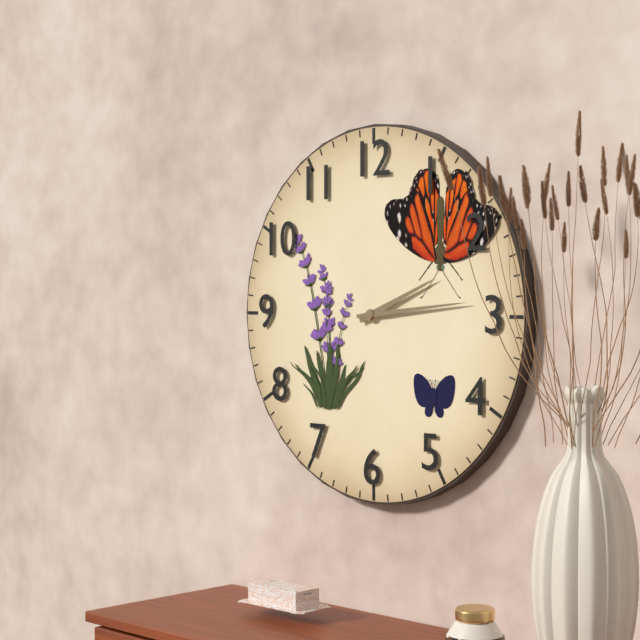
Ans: {"hour": 2, "minute": 14}
